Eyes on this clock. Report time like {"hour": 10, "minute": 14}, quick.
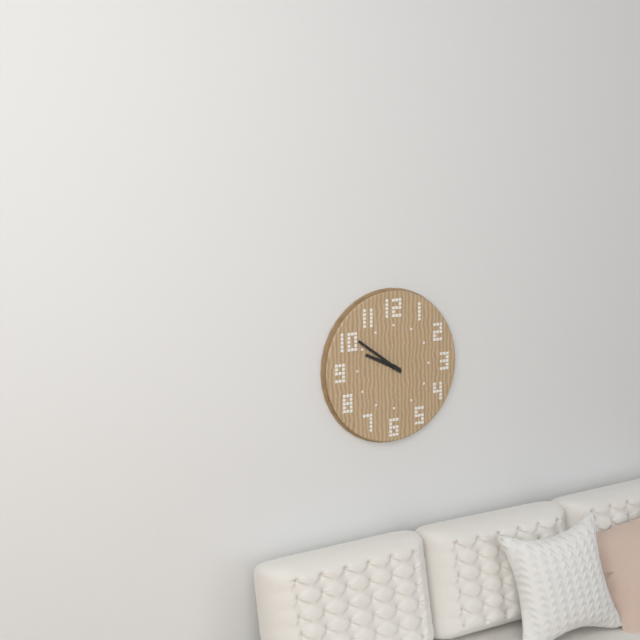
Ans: {"hour": 9, "minute": 51}
